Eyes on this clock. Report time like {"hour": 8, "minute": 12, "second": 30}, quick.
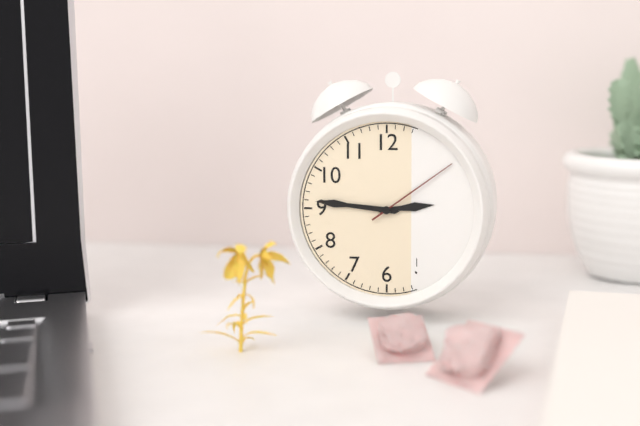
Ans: {"hour": 2, "minute": 46, "second": 9}
